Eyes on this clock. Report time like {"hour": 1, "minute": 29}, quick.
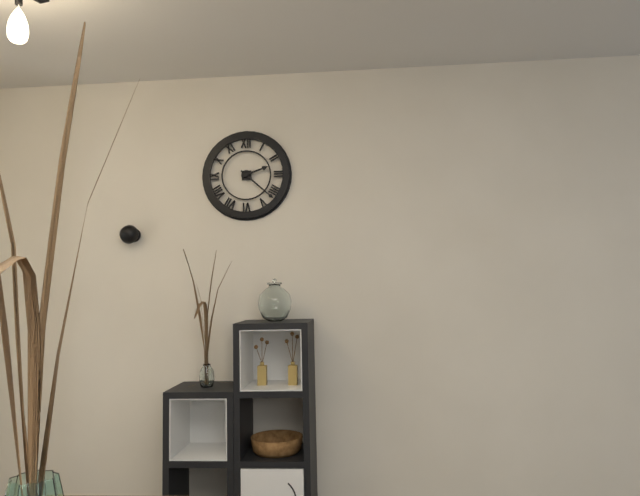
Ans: {"hour": 2, "minute": 22}
